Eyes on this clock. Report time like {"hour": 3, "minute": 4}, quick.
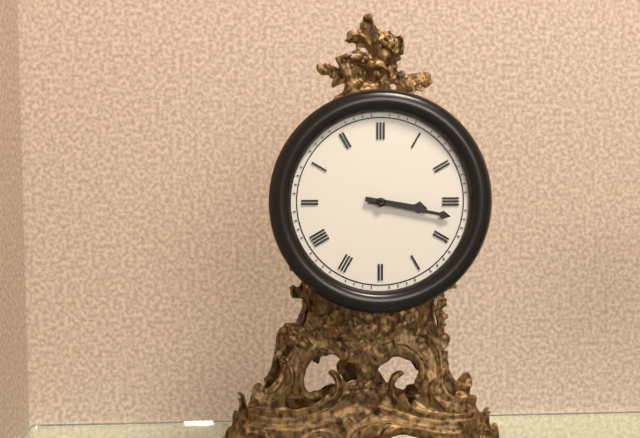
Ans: {"hour": 3, "minute": 17}
